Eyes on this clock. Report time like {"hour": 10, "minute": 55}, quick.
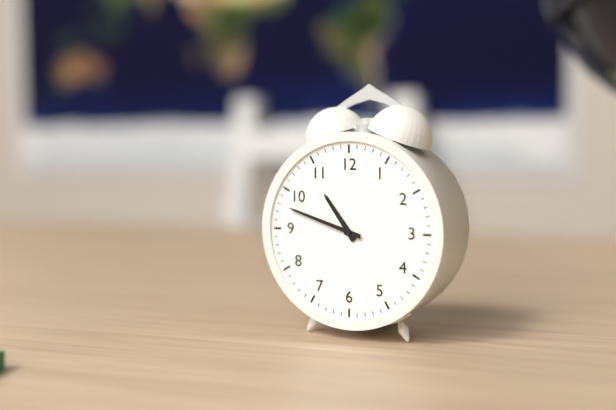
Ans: {"hour": 10, "minute": 48}
